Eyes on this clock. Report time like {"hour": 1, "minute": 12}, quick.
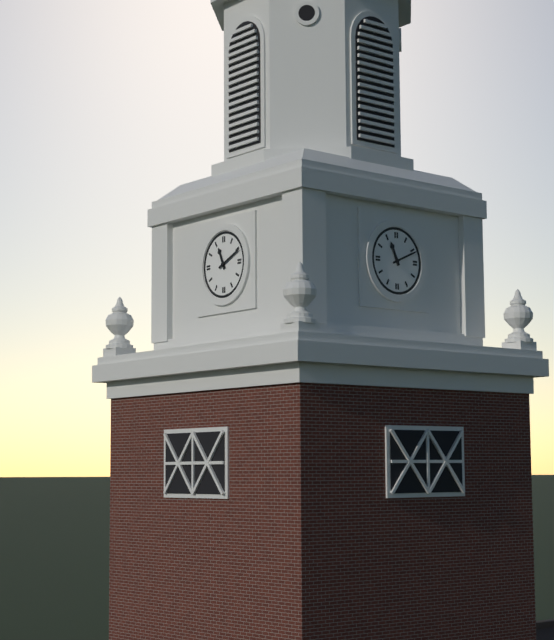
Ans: {"hour": 11, "minute": 11}
